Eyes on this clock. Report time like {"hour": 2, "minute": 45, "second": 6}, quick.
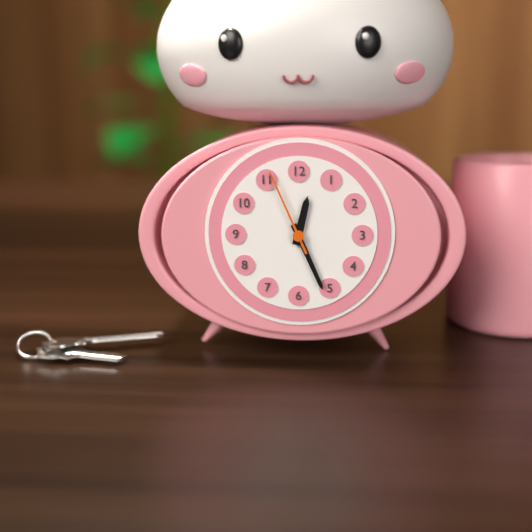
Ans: {"hour": 12, "minute": 26, "second": 56}
